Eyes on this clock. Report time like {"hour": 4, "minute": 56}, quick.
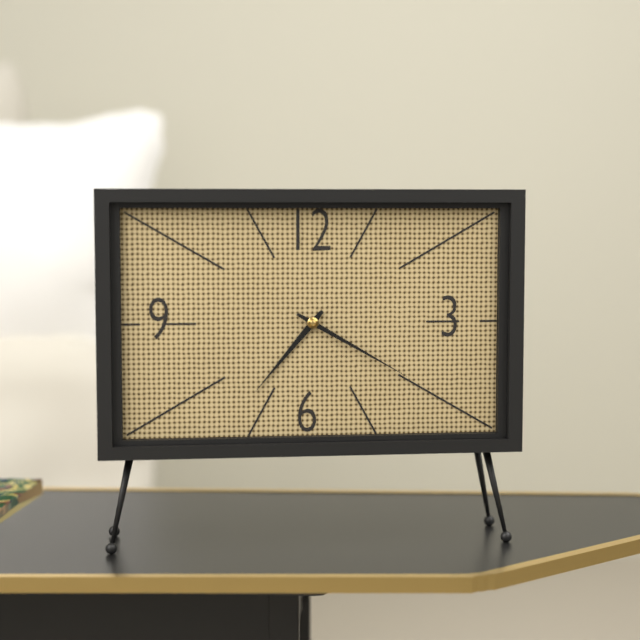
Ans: {"hour": 7, "minute": 20}
